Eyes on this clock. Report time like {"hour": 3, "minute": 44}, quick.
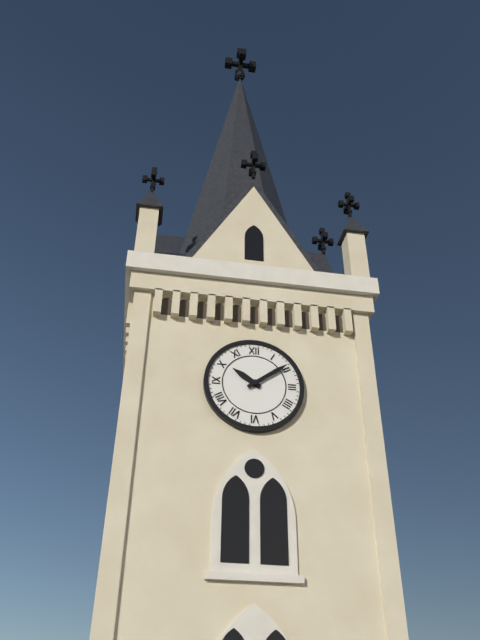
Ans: {"hour": 10, "minute": 9}
